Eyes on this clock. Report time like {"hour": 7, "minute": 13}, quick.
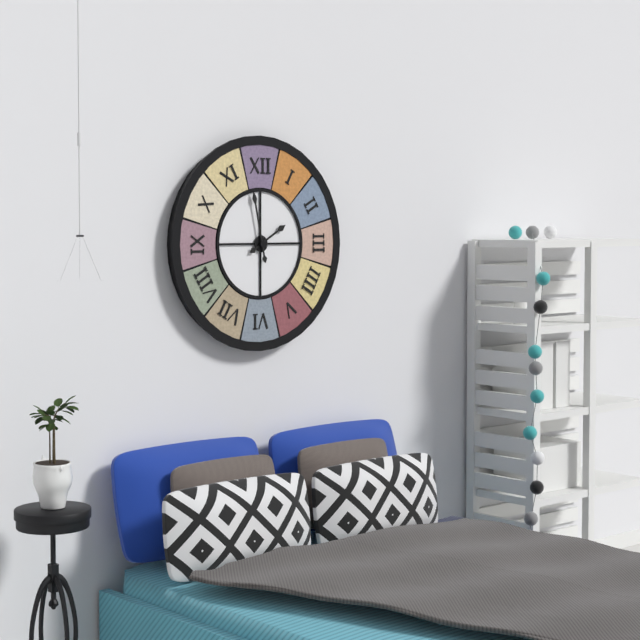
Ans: {"hour": 1, "minute": 58}
